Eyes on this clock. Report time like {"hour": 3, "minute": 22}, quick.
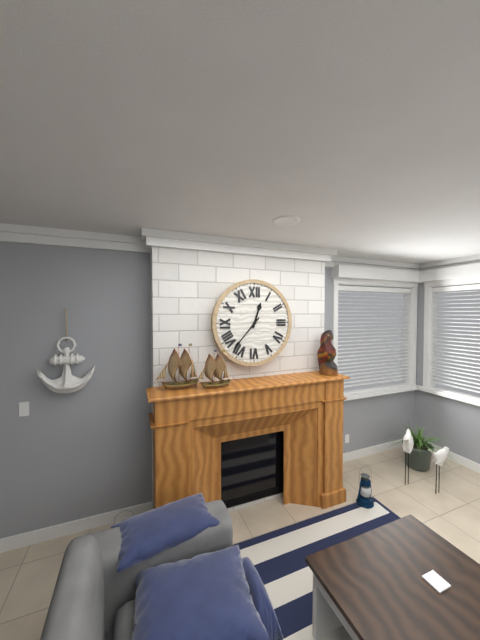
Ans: {"hour": 12, "minute": 37}
